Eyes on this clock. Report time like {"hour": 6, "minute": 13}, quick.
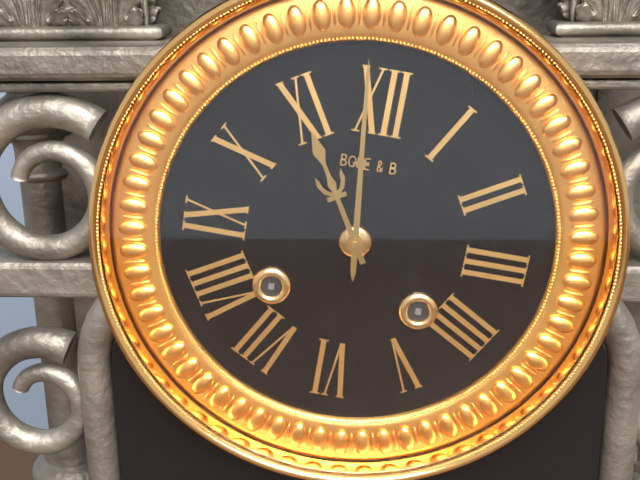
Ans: {"hour": 10, "minute": 59}
